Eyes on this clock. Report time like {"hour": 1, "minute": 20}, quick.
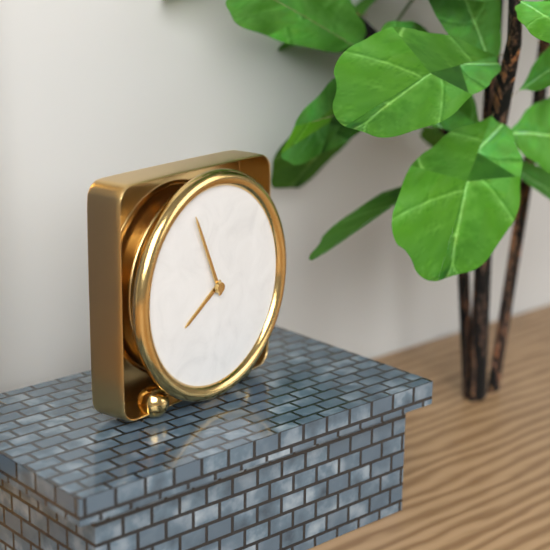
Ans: {"hour": 7, "minute": 56}
